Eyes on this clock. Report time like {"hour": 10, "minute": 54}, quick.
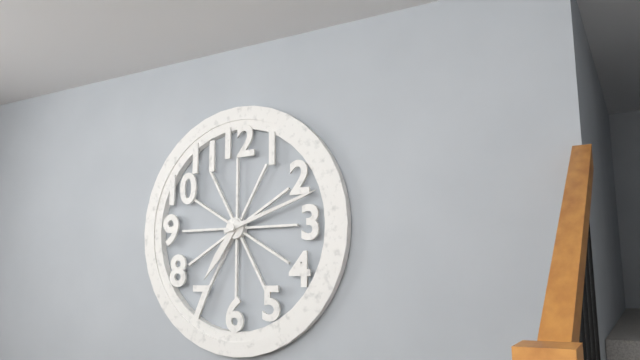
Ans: {"hour": 7, "minute": 12}
